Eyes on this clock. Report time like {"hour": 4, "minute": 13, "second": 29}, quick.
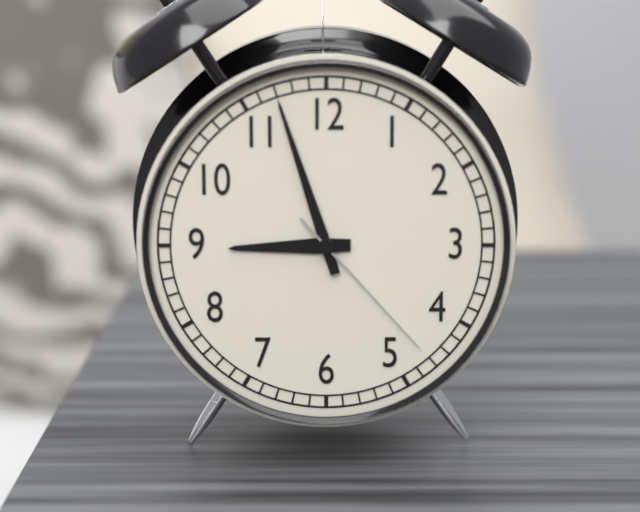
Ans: {"hour": 8, "minute": 57, "second": 23}
